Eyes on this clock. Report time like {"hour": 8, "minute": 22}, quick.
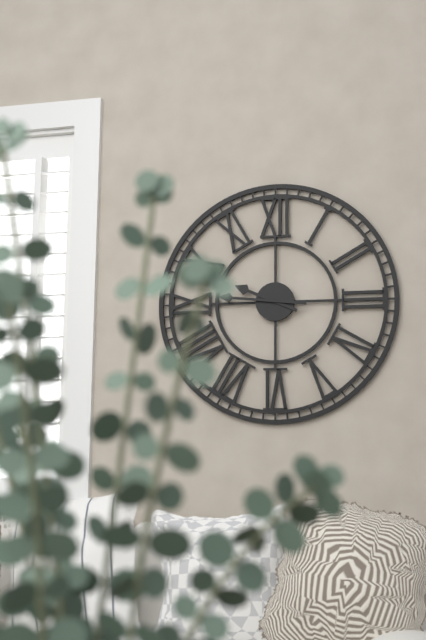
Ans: {"hour": 9, "minute": 46}
